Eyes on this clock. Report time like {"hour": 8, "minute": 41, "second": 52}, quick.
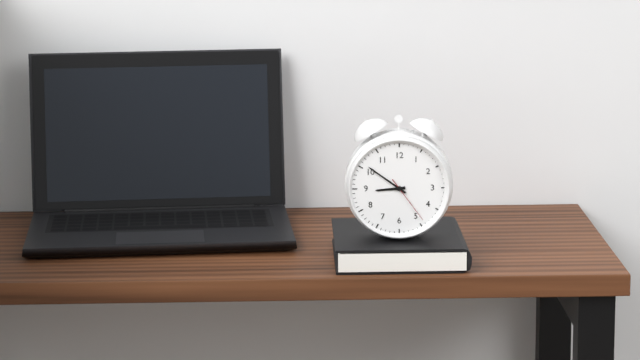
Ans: {"hour": 8, "minute": 51, "second": 24}
